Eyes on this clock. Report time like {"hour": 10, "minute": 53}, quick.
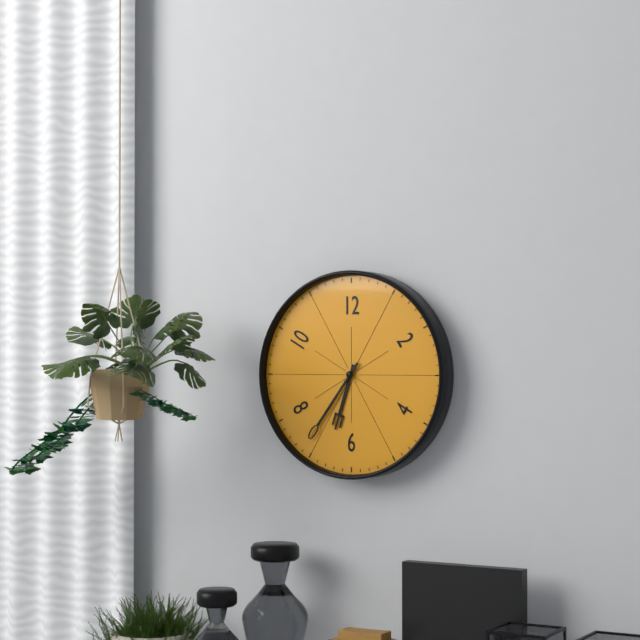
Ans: {"hour": 6, "minute": 36}
